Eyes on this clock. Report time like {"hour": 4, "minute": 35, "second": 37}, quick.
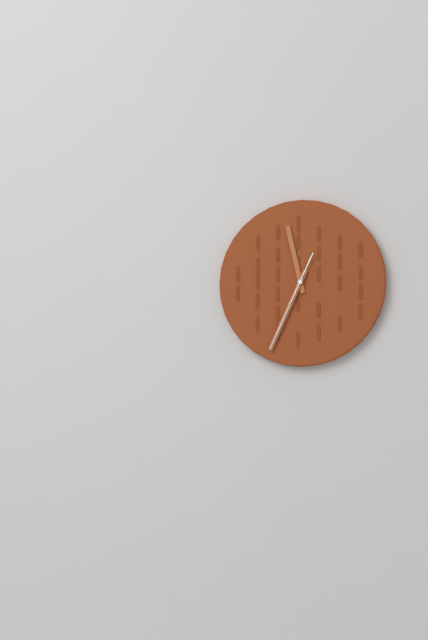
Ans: {"hour": 11, "minute": 34, "second": 34}
